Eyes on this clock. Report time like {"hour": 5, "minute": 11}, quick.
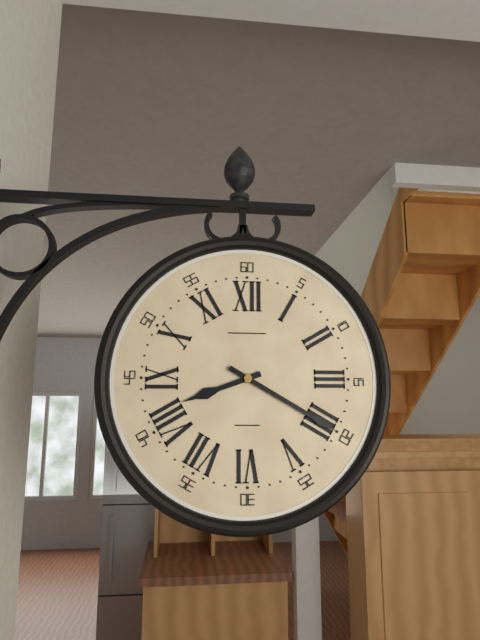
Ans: {"hour": 8, "minute": 20}
